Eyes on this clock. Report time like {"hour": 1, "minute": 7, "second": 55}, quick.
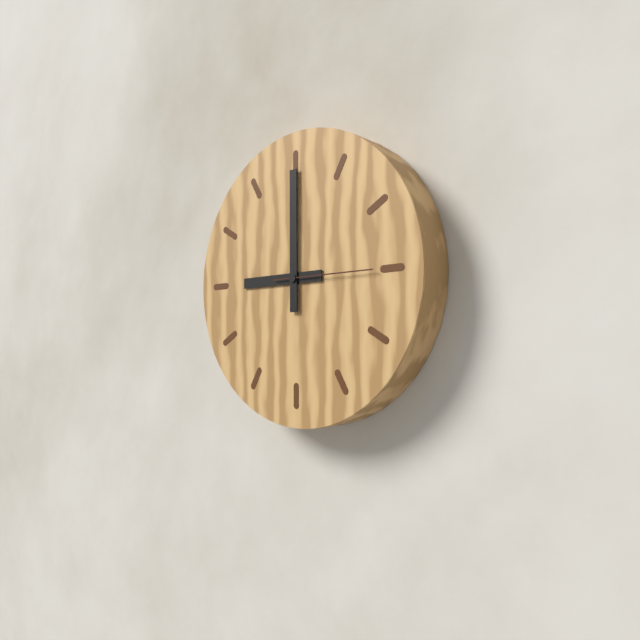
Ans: {"hour": 9, "minute": 0, "second": 15}
